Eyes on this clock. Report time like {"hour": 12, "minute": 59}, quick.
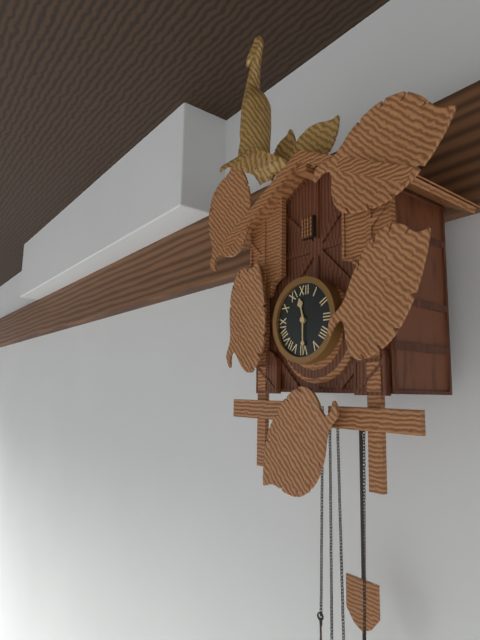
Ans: {"hour": 11, "minute": 30}
